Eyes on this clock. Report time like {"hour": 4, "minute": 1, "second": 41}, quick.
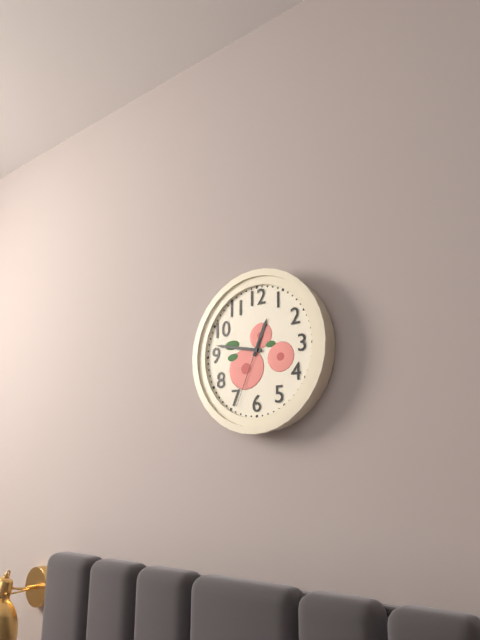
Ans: {"hour": 12, "minute": 47, "second": 34}
